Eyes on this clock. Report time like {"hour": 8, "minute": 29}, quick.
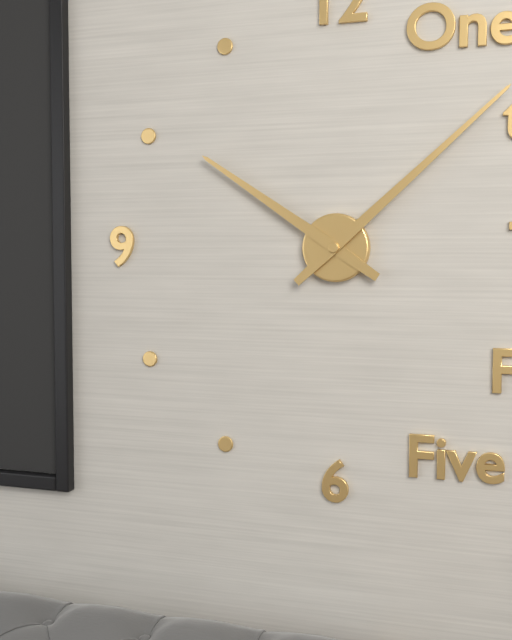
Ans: {"hour": 10, "minute": 8}
